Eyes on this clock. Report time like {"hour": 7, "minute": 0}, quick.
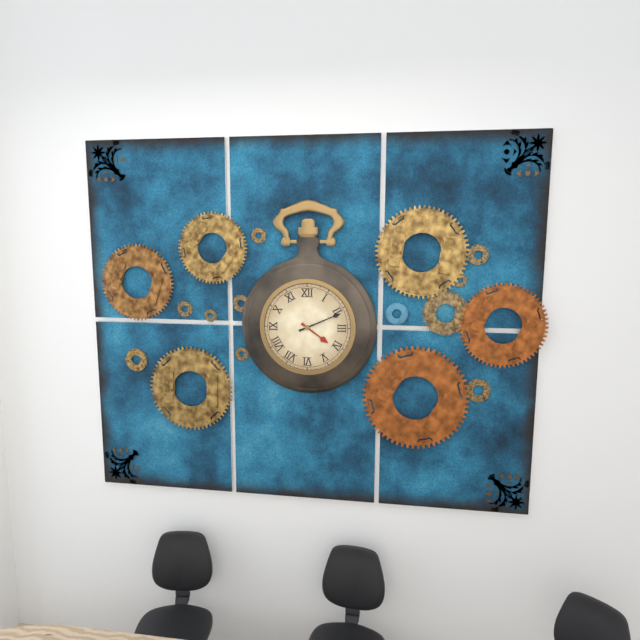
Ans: {"hour": 4, "minute": 11}
